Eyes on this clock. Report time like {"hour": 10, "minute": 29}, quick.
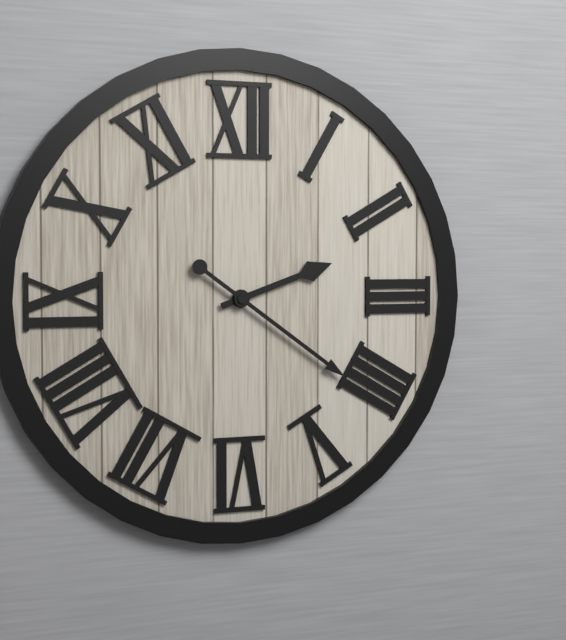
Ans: {"hour": 2, "minute": 21}
